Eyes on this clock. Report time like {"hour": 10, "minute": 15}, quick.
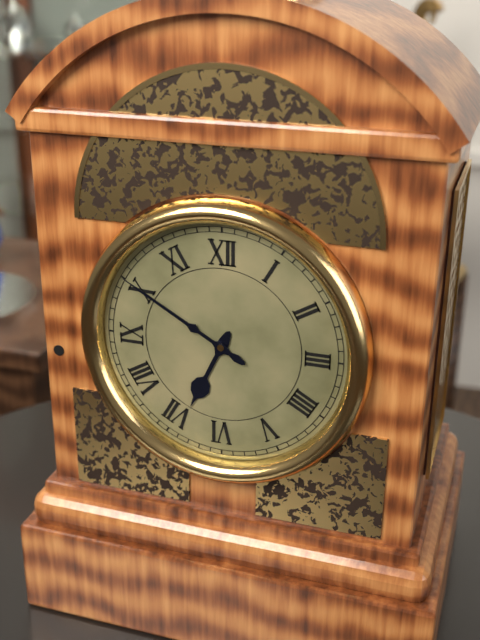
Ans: {"hour": 6, "minute": 50}
